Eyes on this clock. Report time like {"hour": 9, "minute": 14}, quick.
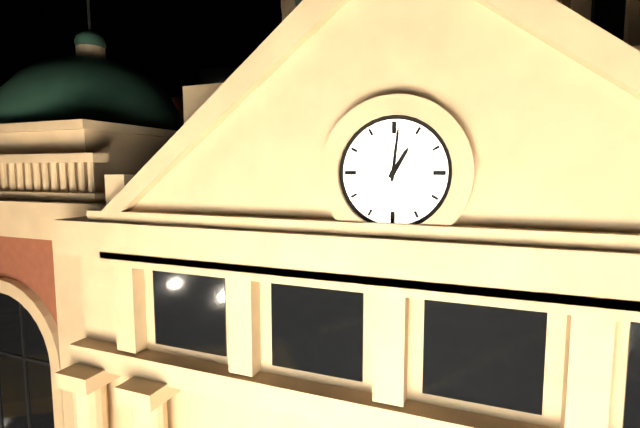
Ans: {"hour": 1, "minute": 1}
